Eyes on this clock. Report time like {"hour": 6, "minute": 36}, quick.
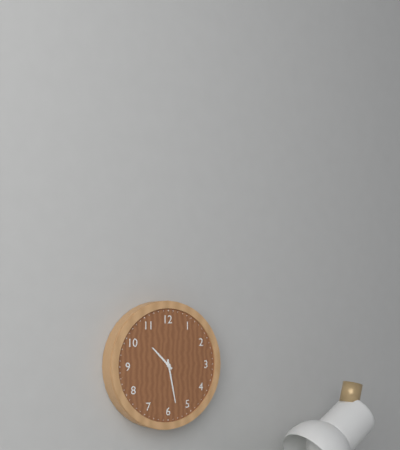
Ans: {"hour": 10, "minute": 28}
